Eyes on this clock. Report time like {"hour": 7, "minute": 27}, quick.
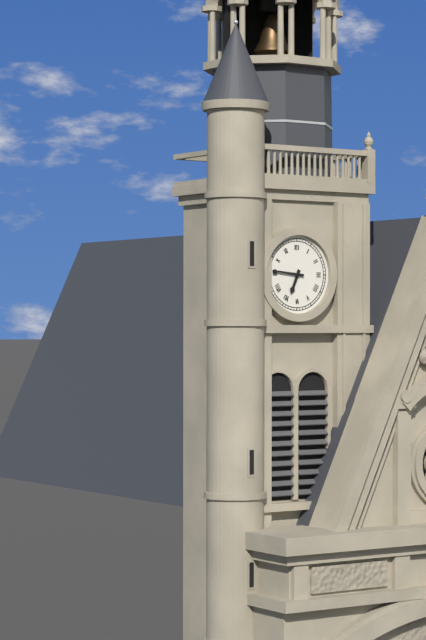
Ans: {"hour": 6, "minute": 46}
